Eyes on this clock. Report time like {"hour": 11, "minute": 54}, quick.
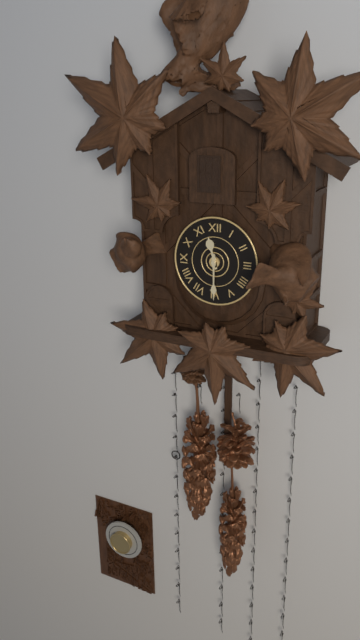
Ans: {"hour": 11, "minute": 30}
